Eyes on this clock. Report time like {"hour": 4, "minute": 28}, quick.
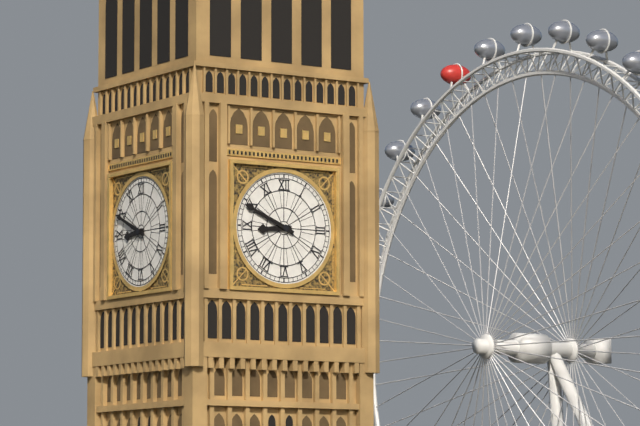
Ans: {"hour": 8, "minute": 49}
